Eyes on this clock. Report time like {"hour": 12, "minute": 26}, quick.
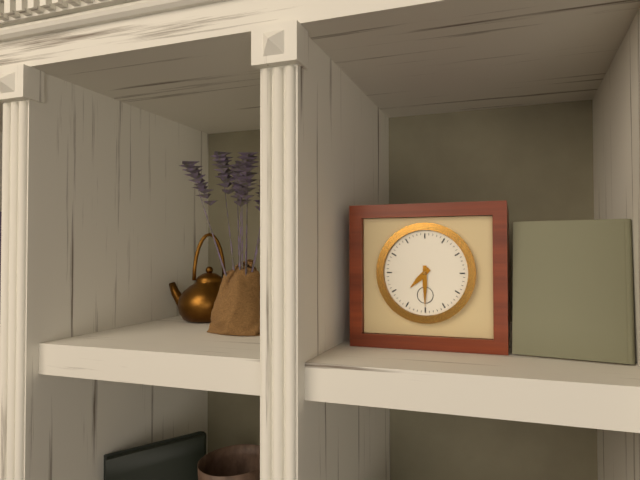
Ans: {"hour": 7, "minute": 30}
